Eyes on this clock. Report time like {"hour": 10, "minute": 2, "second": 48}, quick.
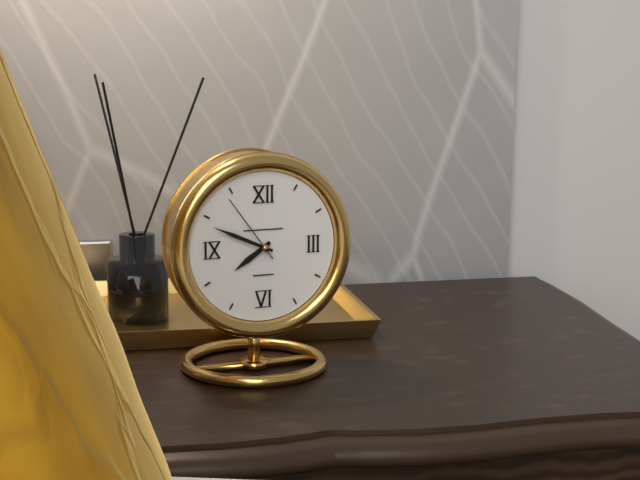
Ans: {"hour": 7, "minute": 49, "second": 54}
